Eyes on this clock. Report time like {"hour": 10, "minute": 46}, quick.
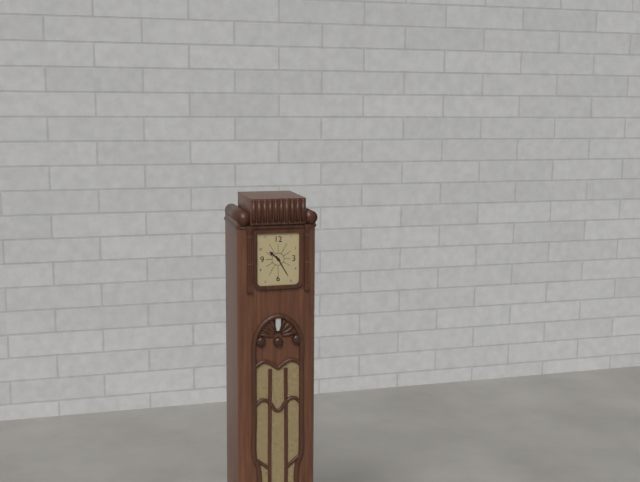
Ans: {"hour": 10, "minute": 25}
